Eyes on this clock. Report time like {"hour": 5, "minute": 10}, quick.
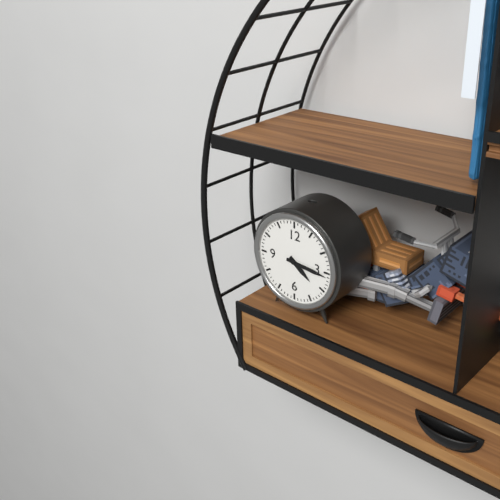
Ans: {"hour": 4, "minute": 16}
